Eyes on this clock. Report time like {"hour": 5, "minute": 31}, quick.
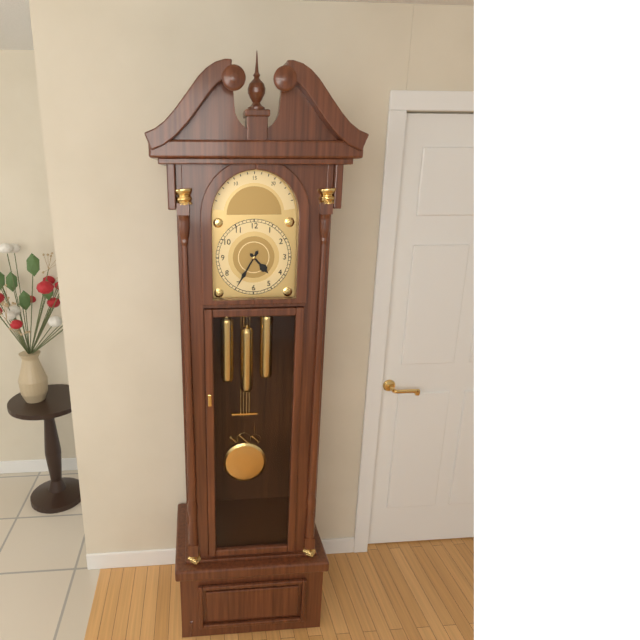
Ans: {"hour": 4, "minute": 35}
